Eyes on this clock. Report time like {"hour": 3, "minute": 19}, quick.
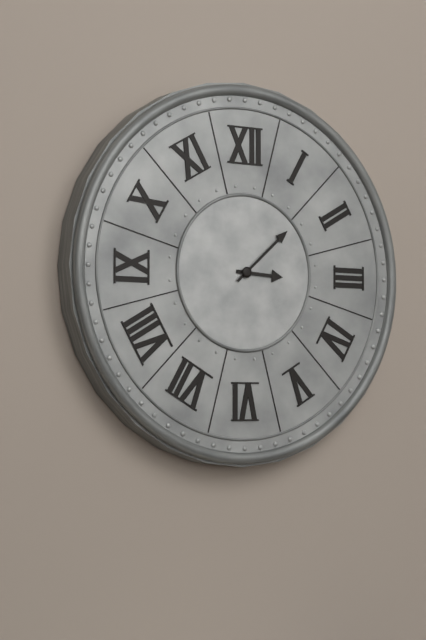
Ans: {"hour": 3, "minute": 8}
